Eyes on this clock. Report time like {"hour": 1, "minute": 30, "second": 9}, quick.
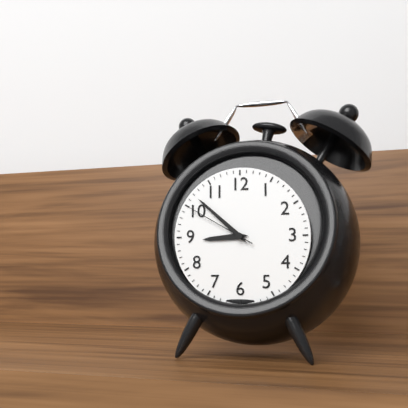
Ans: {"hour": 8, "minute": 52, "second": 50}
